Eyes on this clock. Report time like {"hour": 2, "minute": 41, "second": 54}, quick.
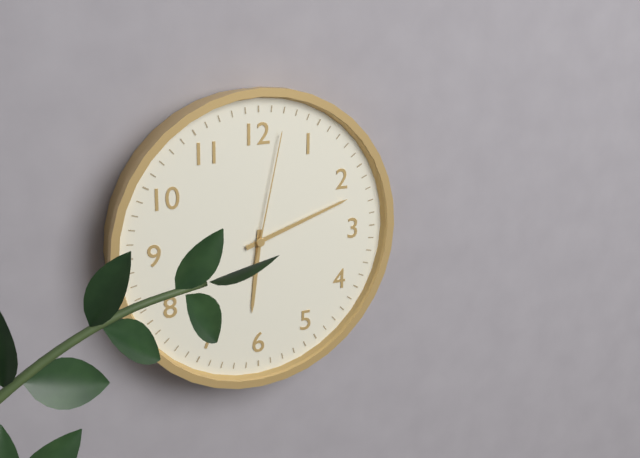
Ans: {"hour": 6, "minute": 12, "second": 2}
